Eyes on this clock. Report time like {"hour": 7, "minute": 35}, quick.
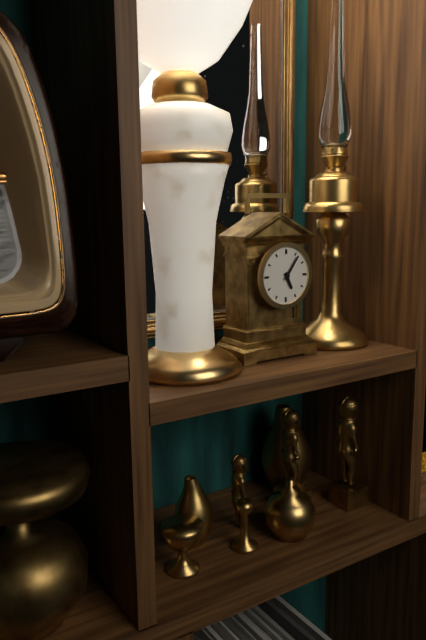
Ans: {"hour": 5, "minute": 6}
